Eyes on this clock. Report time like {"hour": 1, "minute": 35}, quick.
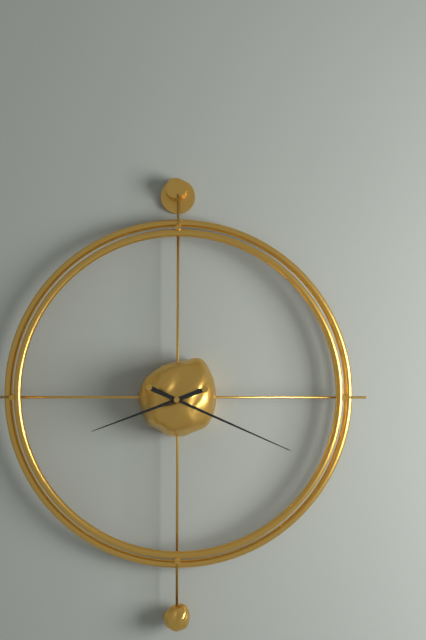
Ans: {"hour": 8, "minute": 19}
